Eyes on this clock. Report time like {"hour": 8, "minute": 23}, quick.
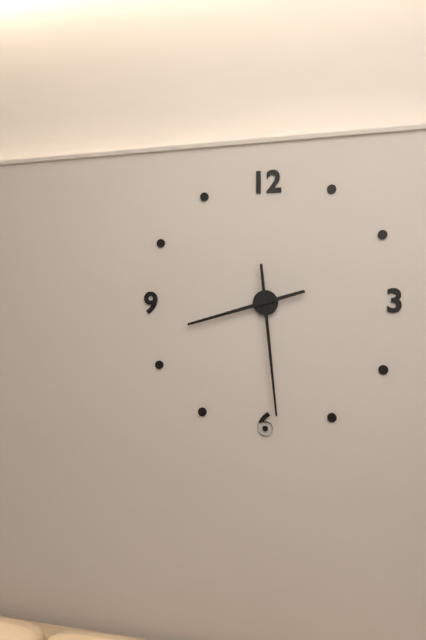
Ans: {"hour": 8, "minute": 29}
